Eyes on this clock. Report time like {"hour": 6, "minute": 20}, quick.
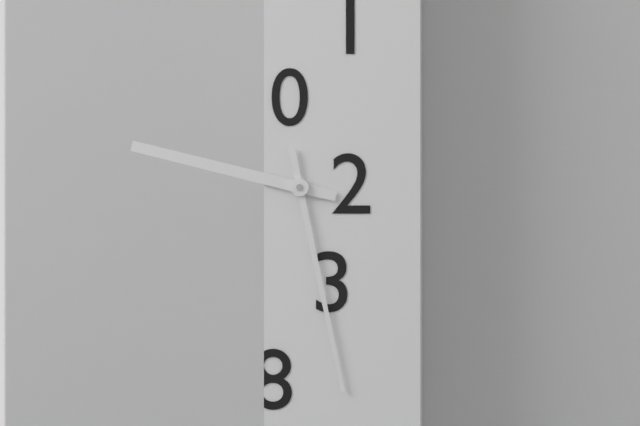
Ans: {"hour": 9, "minute": 28}
